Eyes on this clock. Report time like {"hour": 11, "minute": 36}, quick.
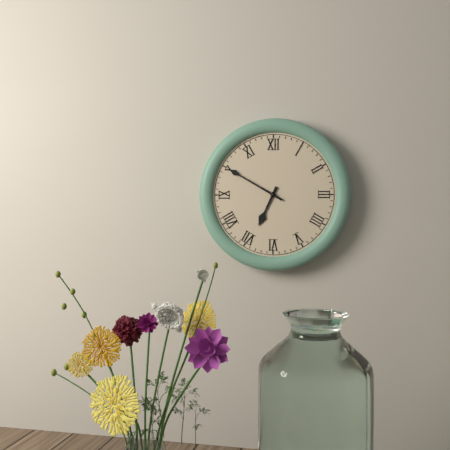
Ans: {"hour": 6, "minute": 50}
